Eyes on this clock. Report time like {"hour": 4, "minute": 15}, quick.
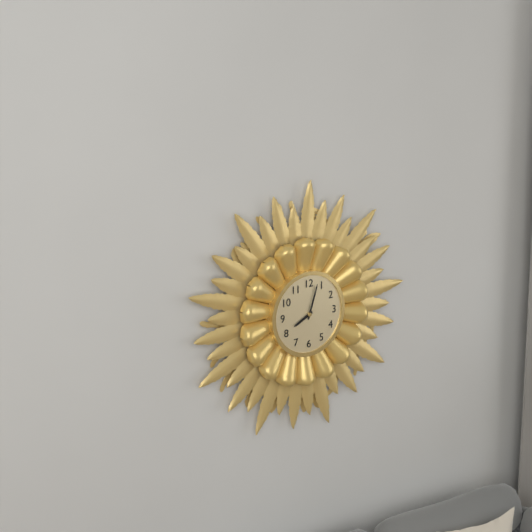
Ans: {"hour": 8, "minute": 3}
